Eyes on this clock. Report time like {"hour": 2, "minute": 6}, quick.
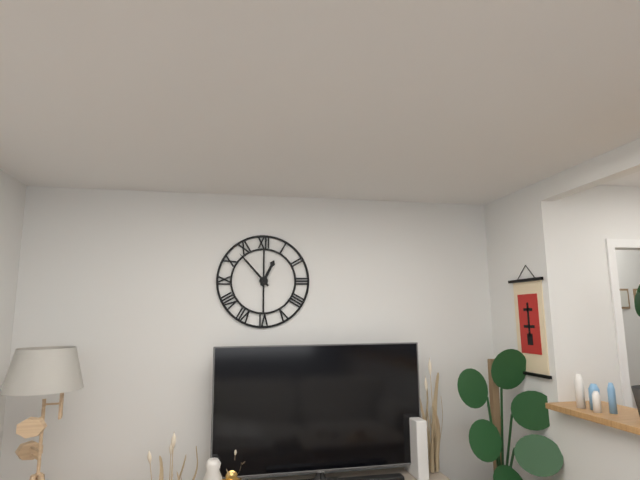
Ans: {"hour": 12, "minute": 53}
